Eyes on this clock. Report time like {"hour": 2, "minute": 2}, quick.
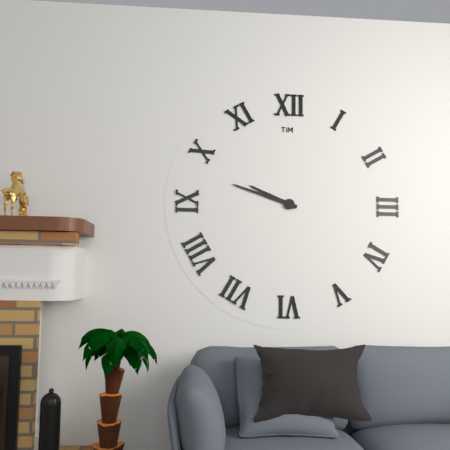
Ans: {"hour": 9, "minute": 48}
